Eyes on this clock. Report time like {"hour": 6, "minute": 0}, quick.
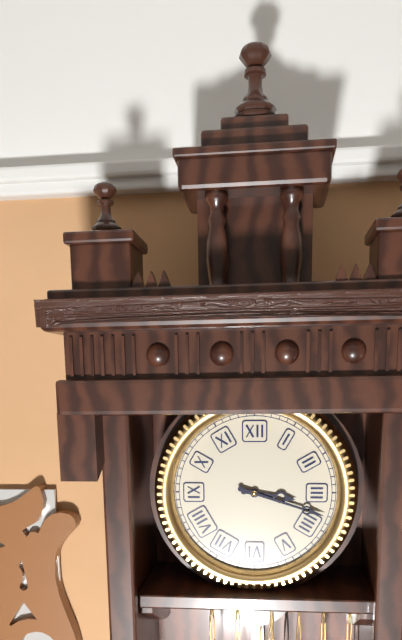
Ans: {"hour": 3, "minute": 18}
